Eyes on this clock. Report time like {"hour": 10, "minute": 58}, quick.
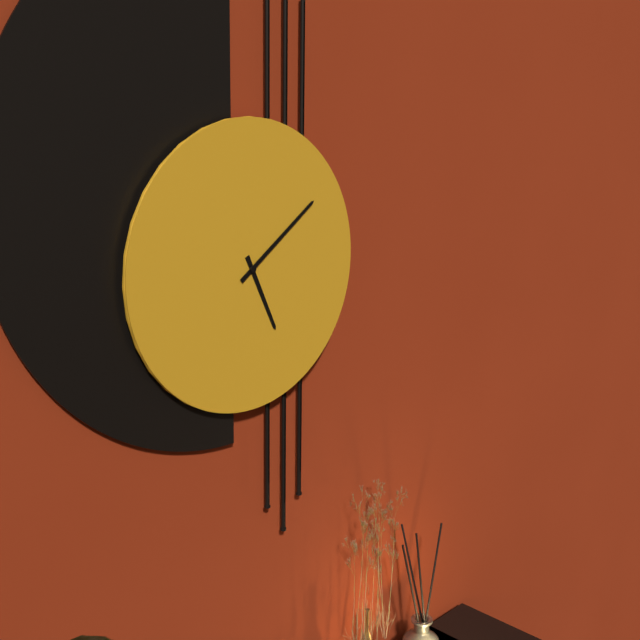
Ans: {"hour": 5, "minute": 9}
